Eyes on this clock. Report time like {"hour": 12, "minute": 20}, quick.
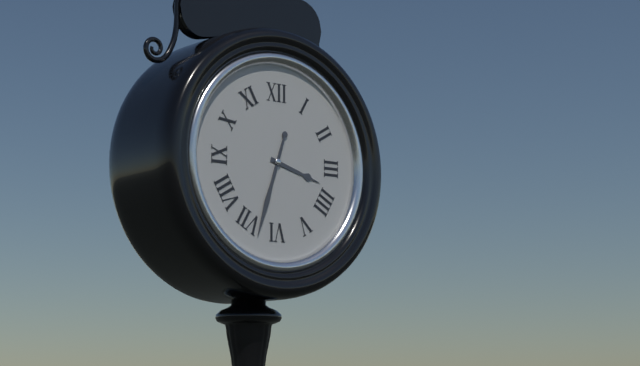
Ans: {"hour": 3, "minute": 33}
